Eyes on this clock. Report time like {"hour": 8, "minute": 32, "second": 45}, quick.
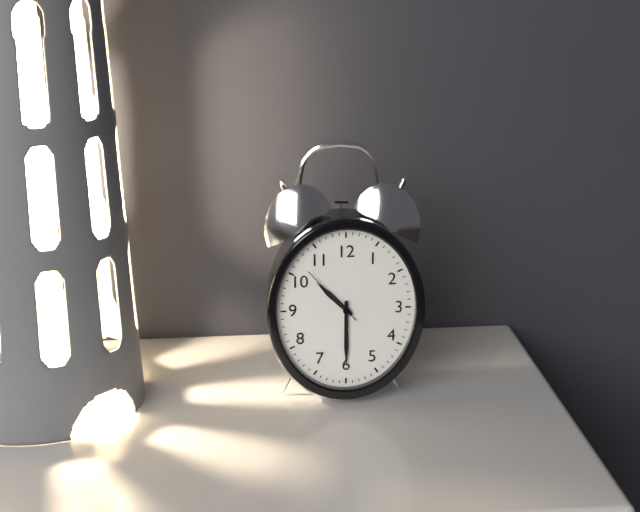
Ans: {"hour": 10, "minute": 30, "second": 53}
